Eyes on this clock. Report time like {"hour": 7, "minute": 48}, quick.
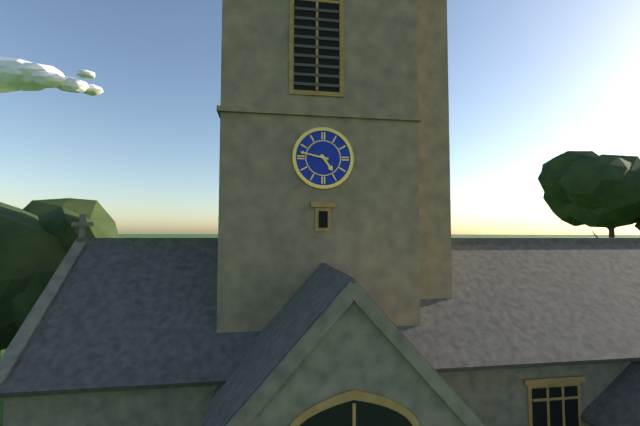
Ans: {"hour": 4, "minute": 47}
